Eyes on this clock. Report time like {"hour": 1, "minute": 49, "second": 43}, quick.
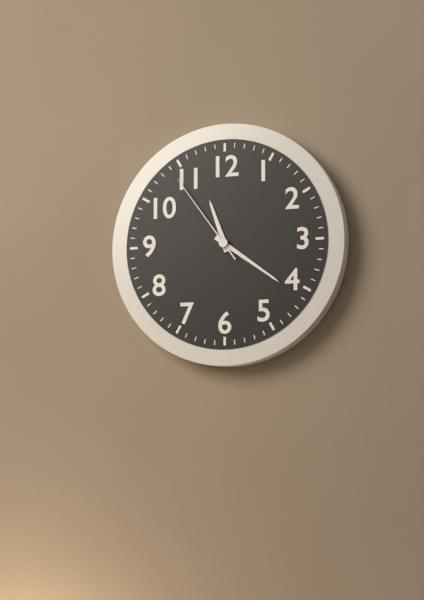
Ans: {"hour": 11, "minute": 21, "second": 54}
